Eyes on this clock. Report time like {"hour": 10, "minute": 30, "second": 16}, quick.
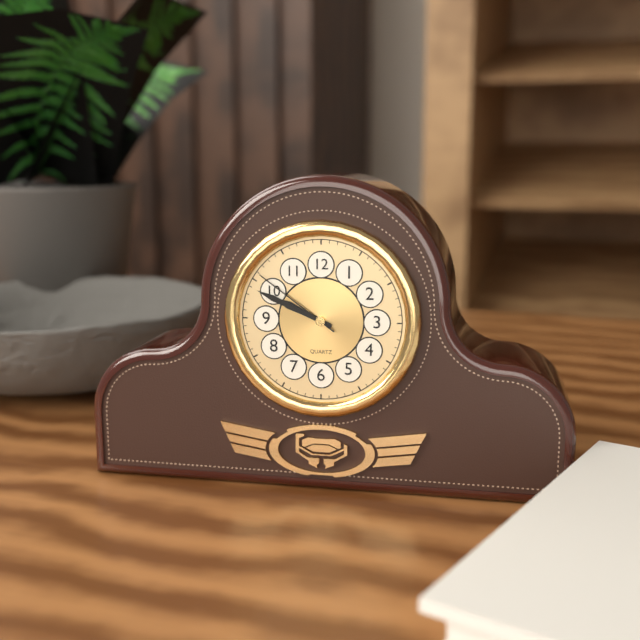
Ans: {"hour": 9, "minute": 49, "second": 51}
